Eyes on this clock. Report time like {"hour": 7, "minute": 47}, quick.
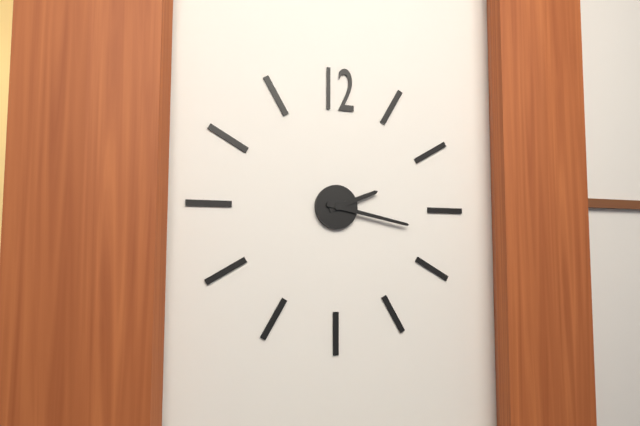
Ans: {"hour": 2, "minute": 17}
